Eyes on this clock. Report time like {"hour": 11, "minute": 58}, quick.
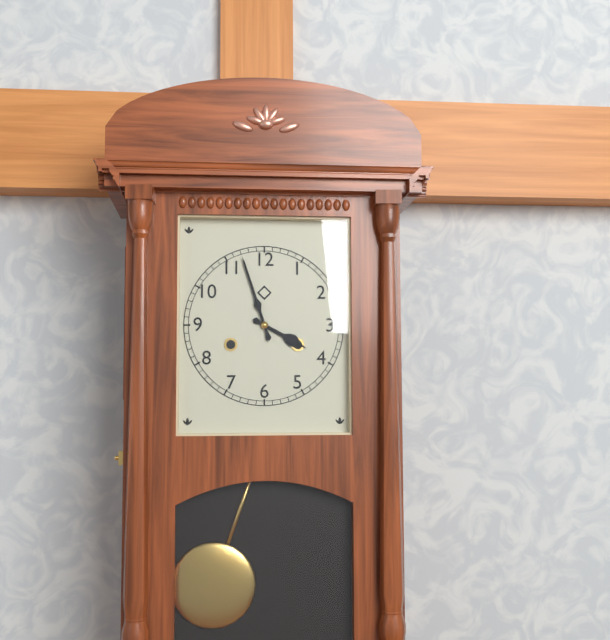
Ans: {"hour": 3, "minute": 57}
